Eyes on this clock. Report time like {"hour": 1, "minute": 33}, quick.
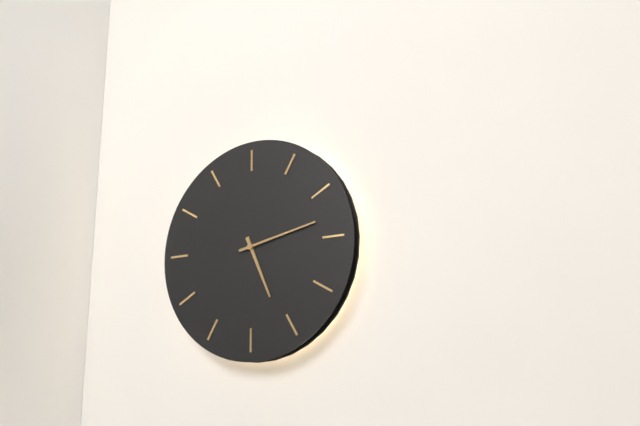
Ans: {"hour": 5, "minute": 13}
